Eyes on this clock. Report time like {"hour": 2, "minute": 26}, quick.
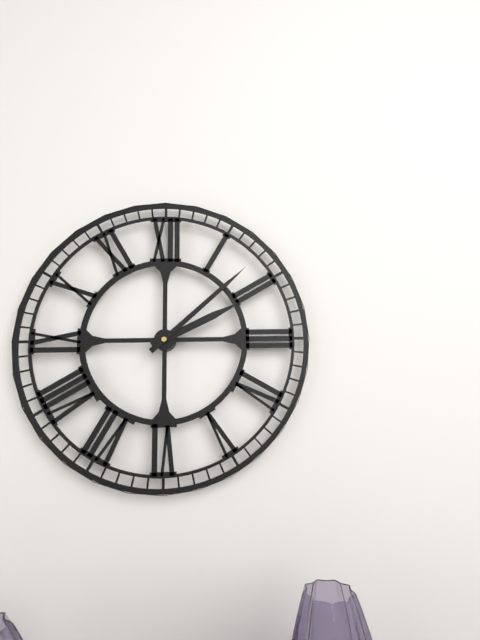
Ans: {"hour": 2, "minute": 8}
